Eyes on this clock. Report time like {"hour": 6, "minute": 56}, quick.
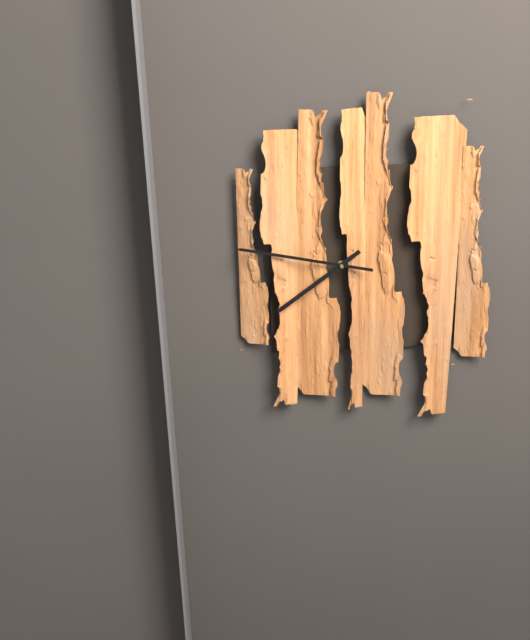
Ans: {"hour": 7, "minute": 47}
